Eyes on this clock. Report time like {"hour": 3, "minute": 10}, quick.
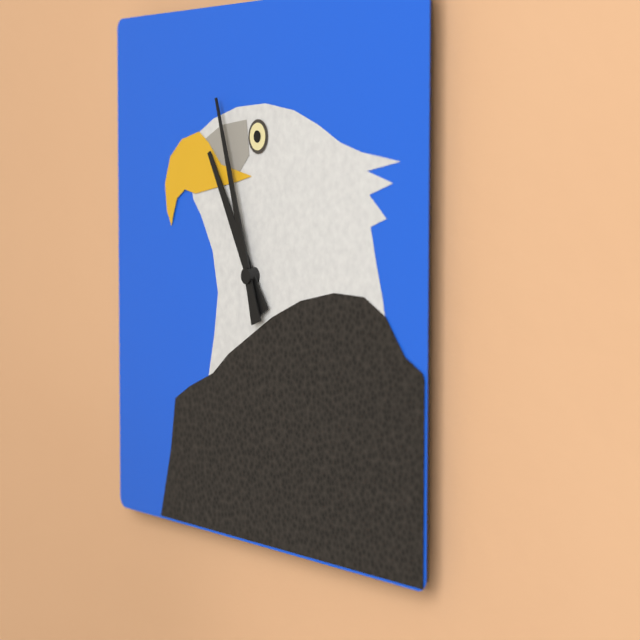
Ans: {"hour": 10, "minute": 57}
